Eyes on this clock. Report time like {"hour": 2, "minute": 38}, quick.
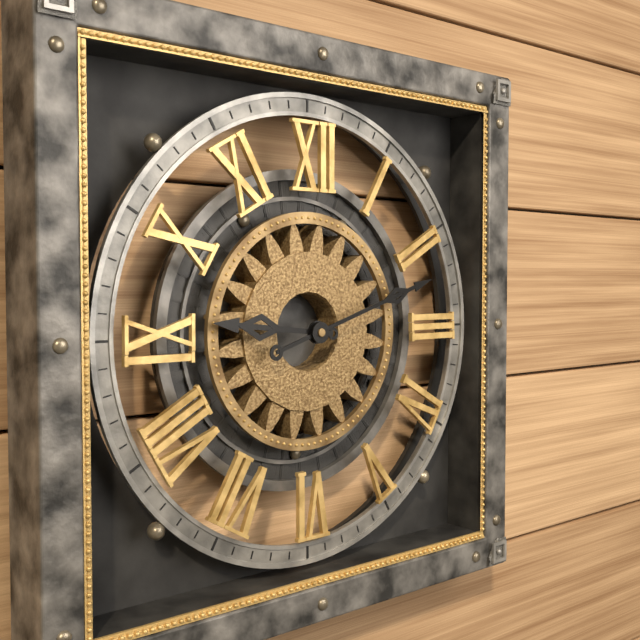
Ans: {"hour": 9, "minute": 12}
